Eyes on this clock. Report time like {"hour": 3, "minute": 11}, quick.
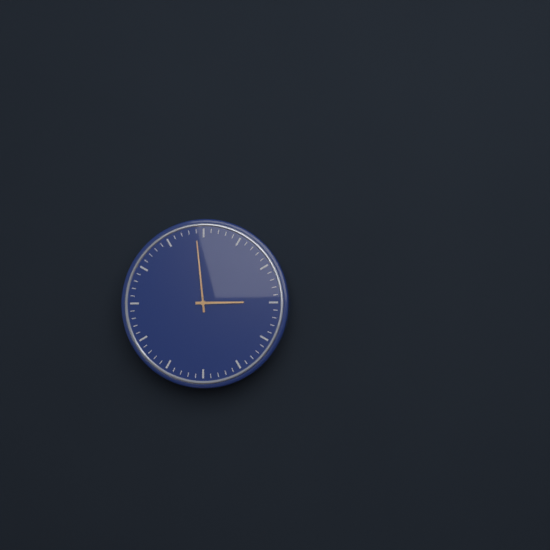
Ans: {"hour": 2, "minute": 59}
